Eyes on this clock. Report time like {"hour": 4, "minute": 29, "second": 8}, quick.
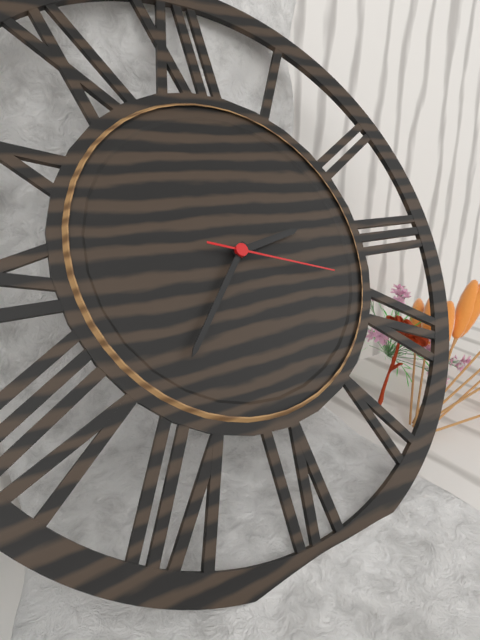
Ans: {"hour": 2, "minute": 37, "second": 18}
